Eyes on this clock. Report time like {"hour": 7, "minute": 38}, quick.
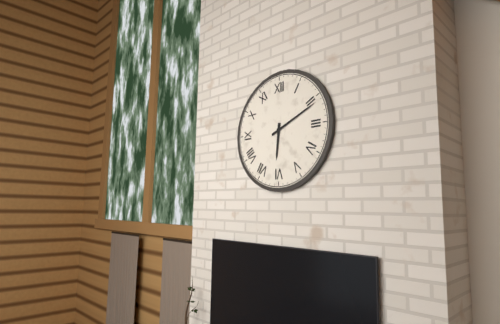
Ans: {"hour": 6, "minute": 11}
